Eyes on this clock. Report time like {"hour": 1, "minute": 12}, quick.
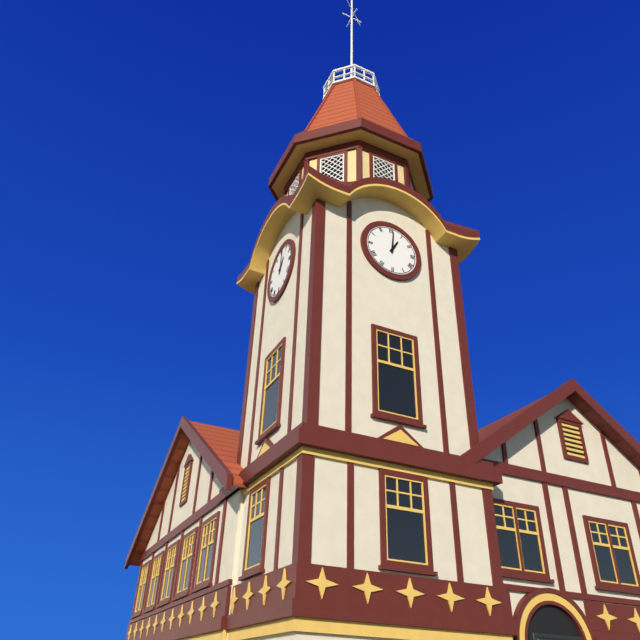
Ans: {"hour": 1, "minute": 1}
